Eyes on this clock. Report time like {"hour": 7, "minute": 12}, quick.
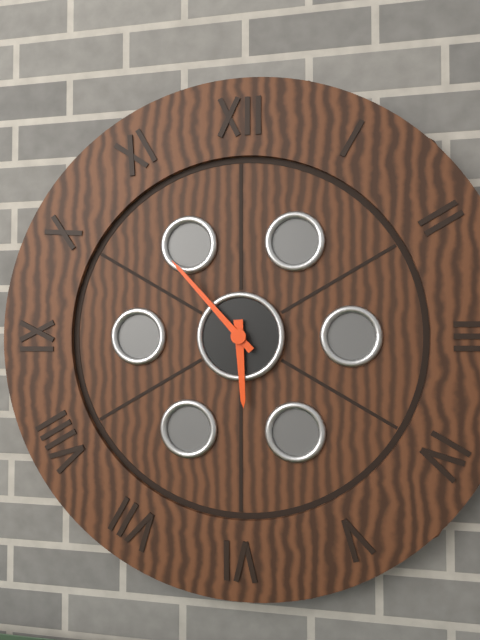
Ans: {"hour": 5, "minute": 53}
